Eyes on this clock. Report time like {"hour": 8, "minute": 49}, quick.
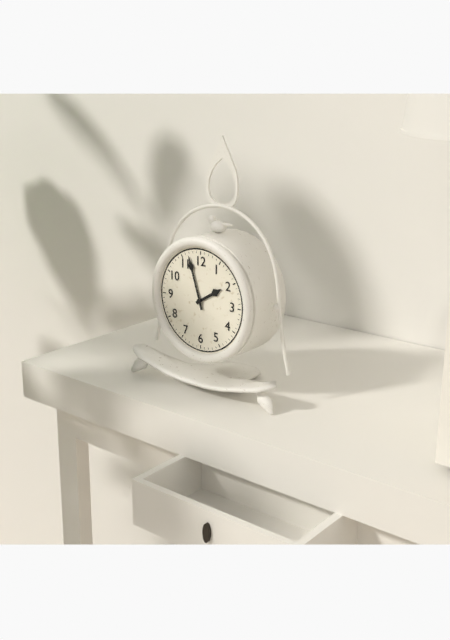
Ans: {"hour": 1, "minute": 57}
